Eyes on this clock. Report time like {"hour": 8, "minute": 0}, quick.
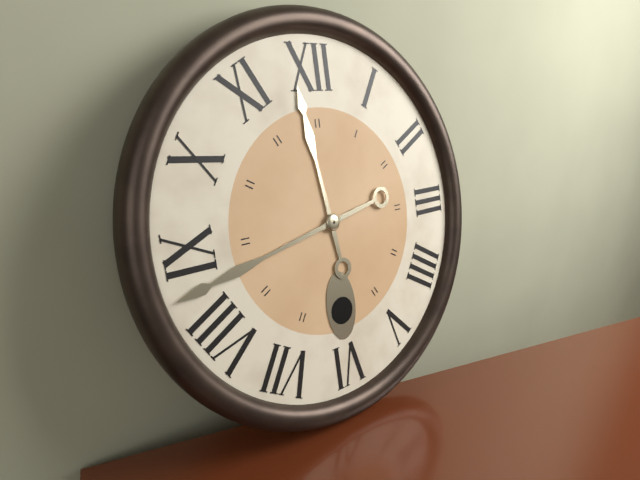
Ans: {"hour": 11, "minute": 43}
